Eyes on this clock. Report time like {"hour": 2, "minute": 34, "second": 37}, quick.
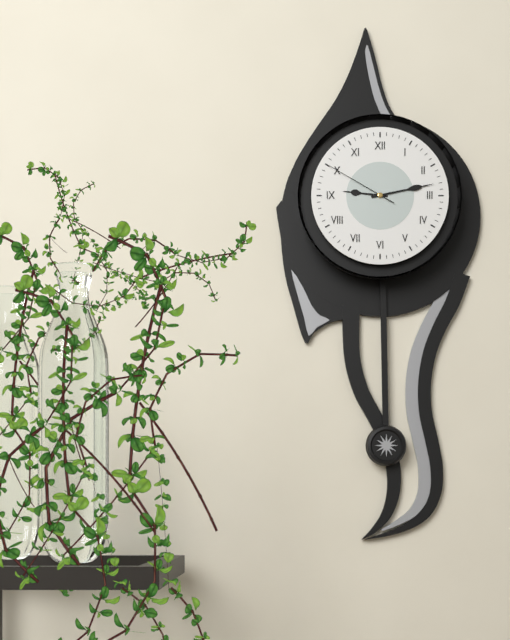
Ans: {"hour": 9, "minute": 13, "second": 50}
